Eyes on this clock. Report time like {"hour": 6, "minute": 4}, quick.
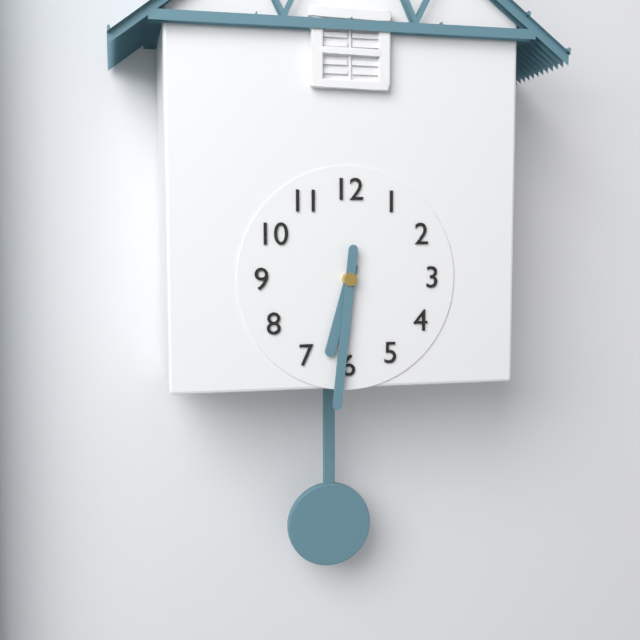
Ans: {"hour": 6, "minute": 31}
